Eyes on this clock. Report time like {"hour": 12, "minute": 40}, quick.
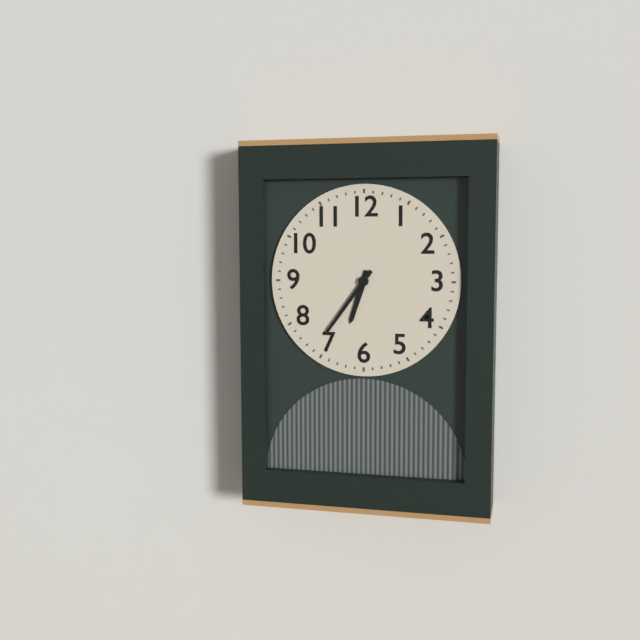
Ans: {"hour": 6, "minute": 36}
